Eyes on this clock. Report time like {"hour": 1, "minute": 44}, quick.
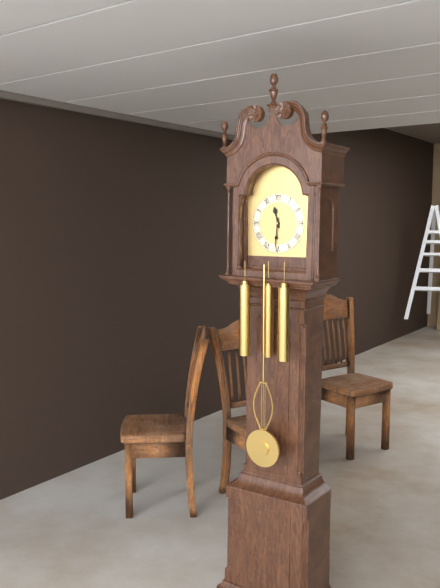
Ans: {"hour": 11, "minute": 31}
